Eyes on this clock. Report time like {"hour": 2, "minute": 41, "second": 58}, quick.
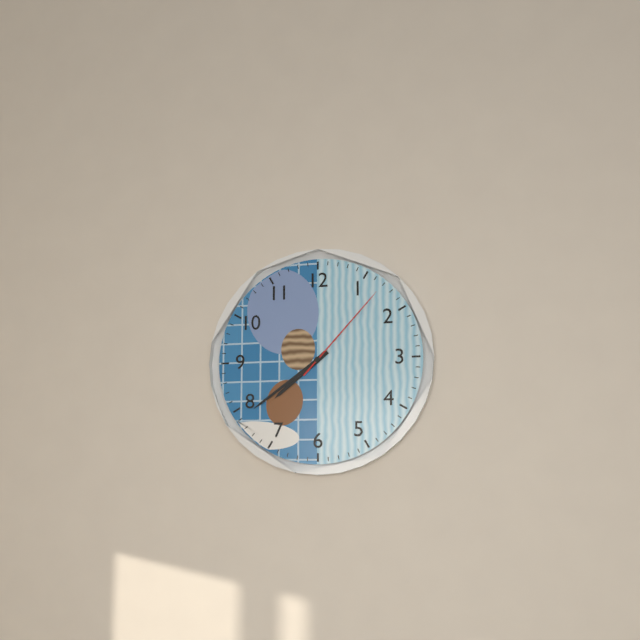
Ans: {"hour": 7, "minute": 39, "second": 7}
